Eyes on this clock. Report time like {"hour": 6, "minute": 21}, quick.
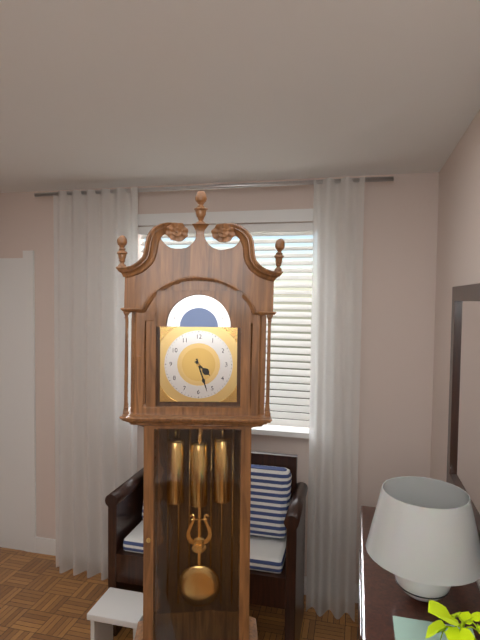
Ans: {"hour": 4, "minute": 27}
